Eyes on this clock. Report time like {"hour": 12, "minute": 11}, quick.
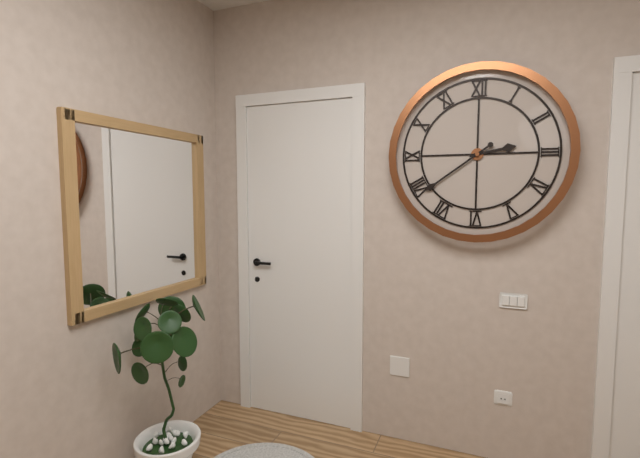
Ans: {"hour": 2, "minute": 39}
